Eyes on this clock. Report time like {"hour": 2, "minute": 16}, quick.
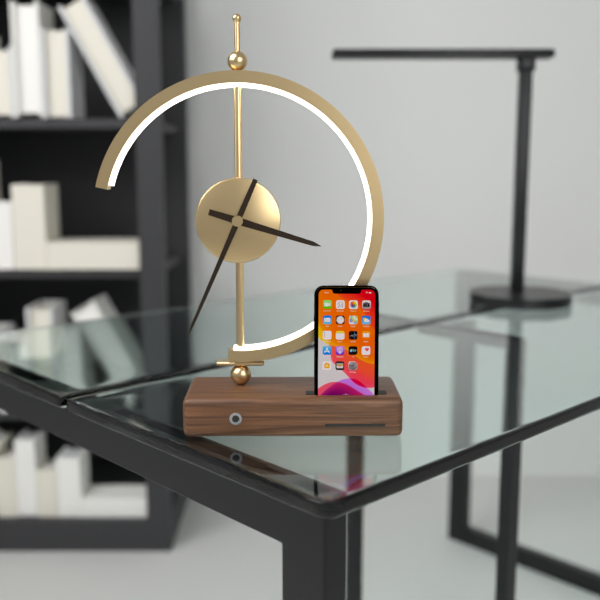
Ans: {"hour": 3, "minute": 34}
